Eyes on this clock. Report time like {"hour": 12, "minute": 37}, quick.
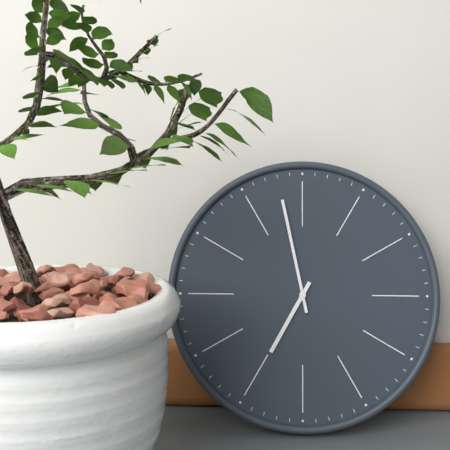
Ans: {"hour": 6, "minute": 58}
